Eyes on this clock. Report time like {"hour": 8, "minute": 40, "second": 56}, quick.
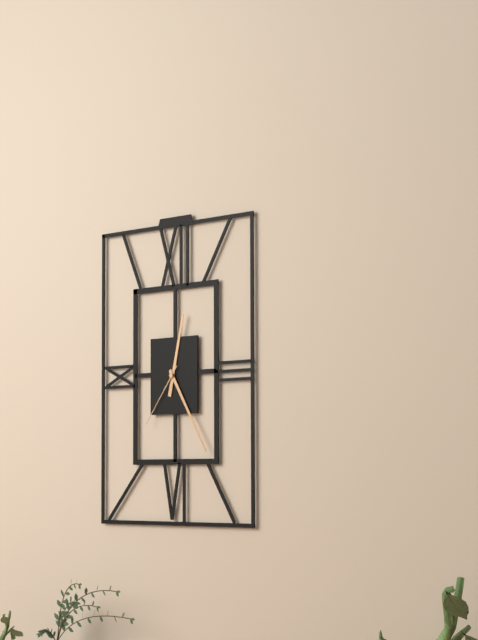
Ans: {"hour": 12, "minute": 25, "second": 36}
